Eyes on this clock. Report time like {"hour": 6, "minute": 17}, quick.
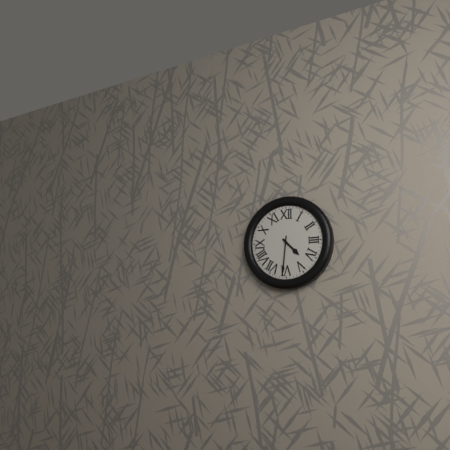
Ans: {"hour": 4, "minute": 31}
